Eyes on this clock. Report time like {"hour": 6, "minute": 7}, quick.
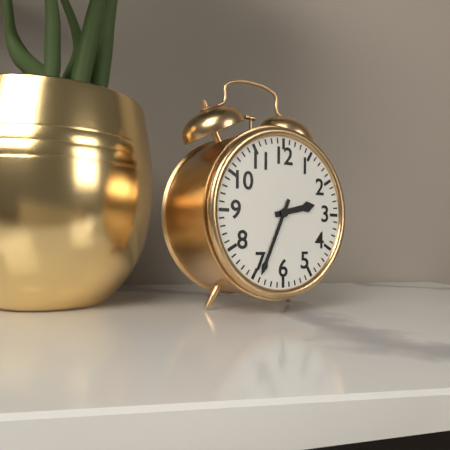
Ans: {"hour": 2, "minute": 34}
